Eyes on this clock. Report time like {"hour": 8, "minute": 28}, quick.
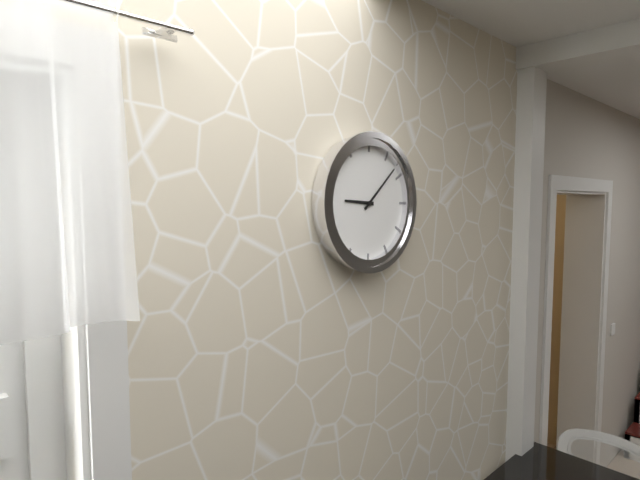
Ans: {"hour": 9, "minute": 8}
